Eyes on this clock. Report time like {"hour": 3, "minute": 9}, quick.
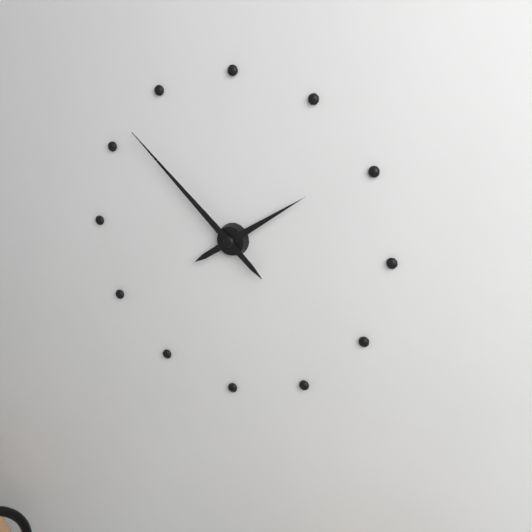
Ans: {"hour": 1, "minute": 52}
